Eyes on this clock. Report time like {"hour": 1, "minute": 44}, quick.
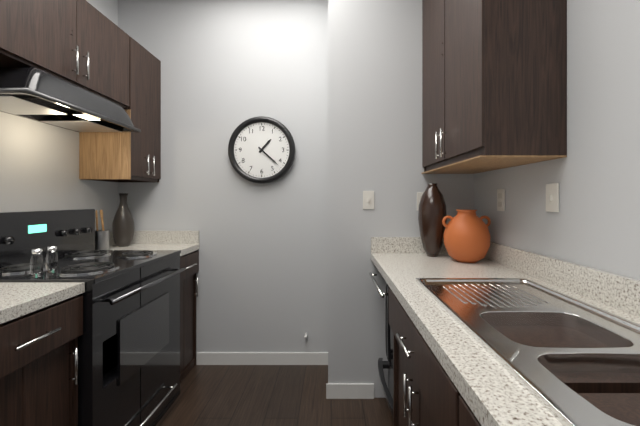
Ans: {"hour": 1, "minute": 22}
